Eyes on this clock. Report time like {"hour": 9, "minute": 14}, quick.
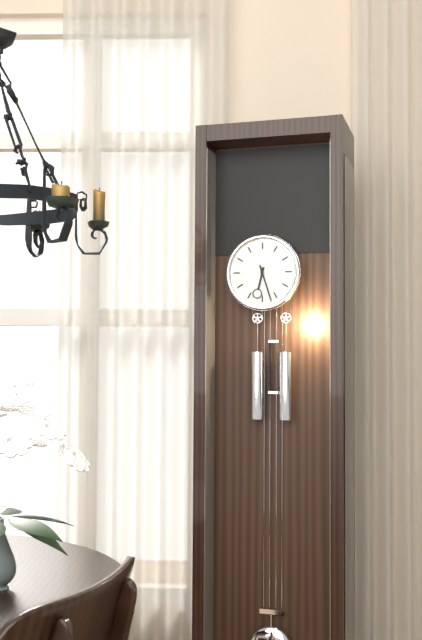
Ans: {"hour": 6, "minute": 27}
